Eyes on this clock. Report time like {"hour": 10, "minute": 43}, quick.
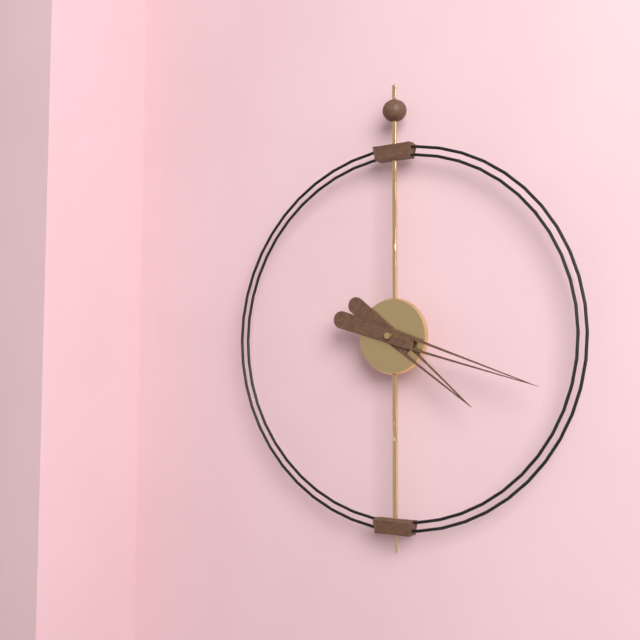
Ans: {"hour": 4, "minute": 18}
